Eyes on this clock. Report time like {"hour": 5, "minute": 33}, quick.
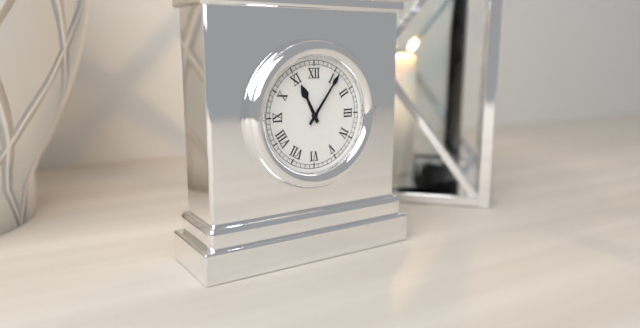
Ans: {"hour": 11, "minute": 6}
